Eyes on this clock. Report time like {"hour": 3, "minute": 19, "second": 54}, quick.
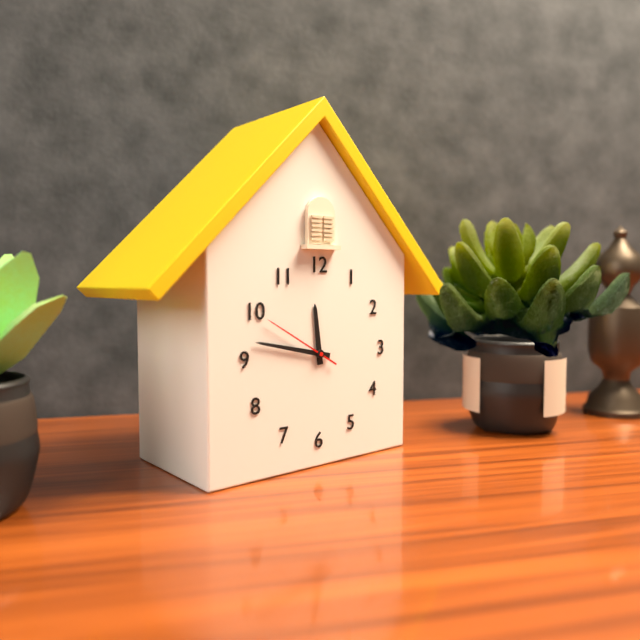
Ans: {"hour": 11, "minute": 47, "second": 50}
